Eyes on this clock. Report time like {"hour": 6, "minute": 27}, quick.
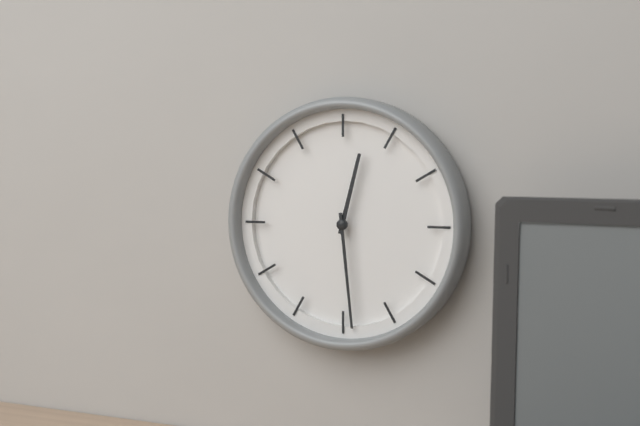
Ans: {"hour": 12, "minute": 29}
